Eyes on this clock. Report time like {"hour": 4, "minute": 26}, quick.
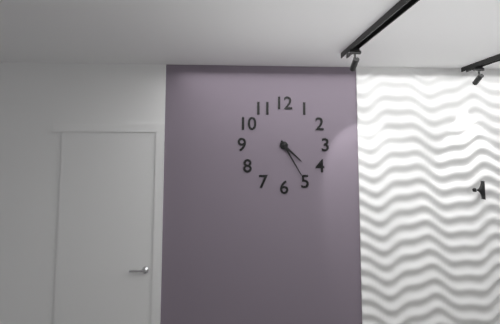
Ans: {"hour": 4, "minute": 25}
